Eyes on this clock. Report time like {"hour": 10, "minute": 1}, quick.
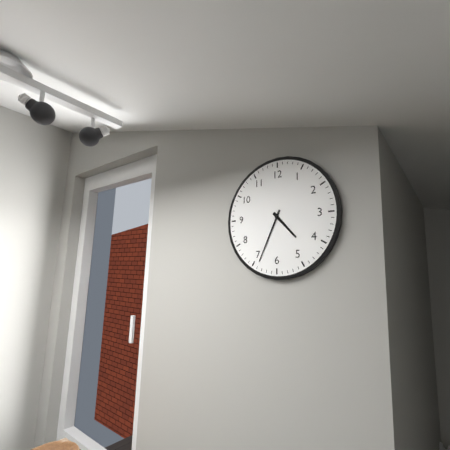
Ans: {"hour": 4, "minute": 34}
